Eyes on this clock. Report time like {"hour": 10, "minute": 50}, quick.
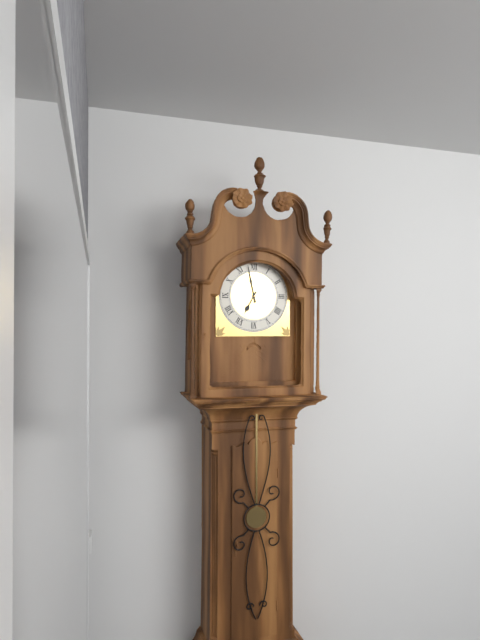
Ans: {"hour": 6, "minute": 58}
